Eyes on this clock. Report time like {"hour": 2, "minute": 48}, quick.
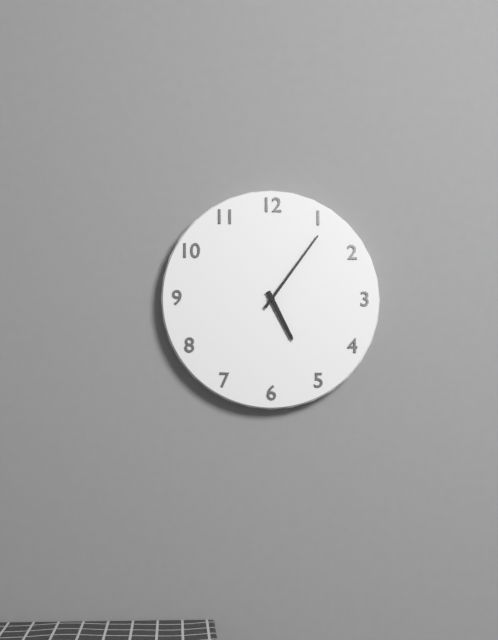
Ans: {"hour": 5, "minute": 6}
